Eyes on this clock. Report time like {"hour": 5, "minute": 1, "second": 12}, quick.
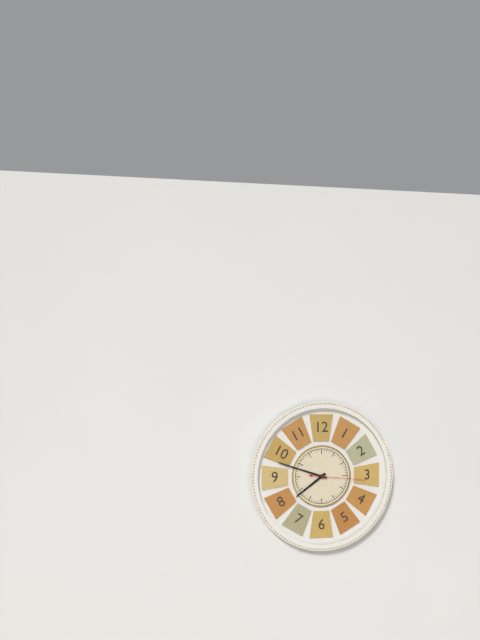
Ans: {"hour": 7, "minute": 48, "second": 16}
